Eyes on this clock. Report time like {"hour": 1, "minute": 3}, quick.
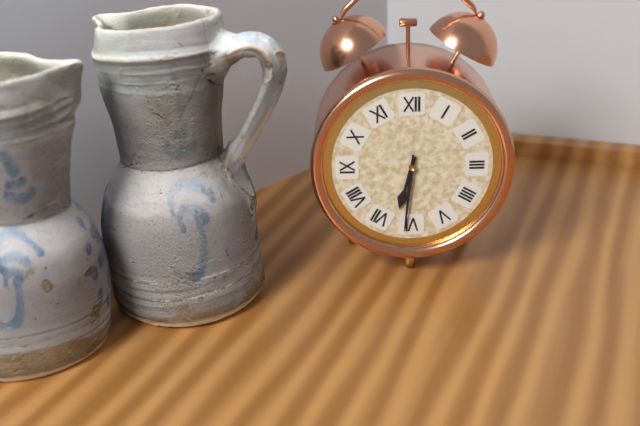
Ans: {"hour": 6, "minute": 31}
